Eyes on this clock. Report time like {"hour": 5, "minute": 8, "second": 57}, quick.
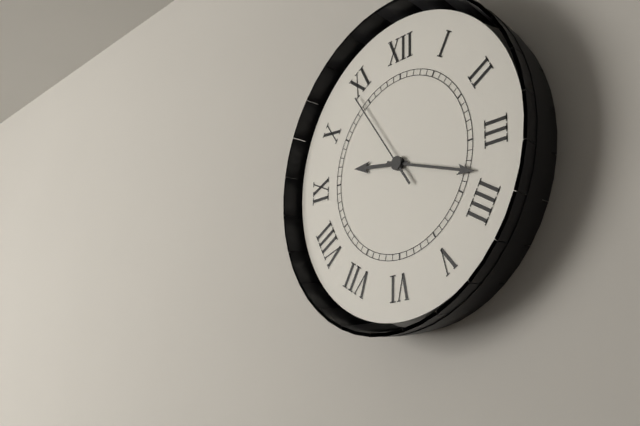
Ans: {"hour": 9, "minute": 18, "second": 54}
